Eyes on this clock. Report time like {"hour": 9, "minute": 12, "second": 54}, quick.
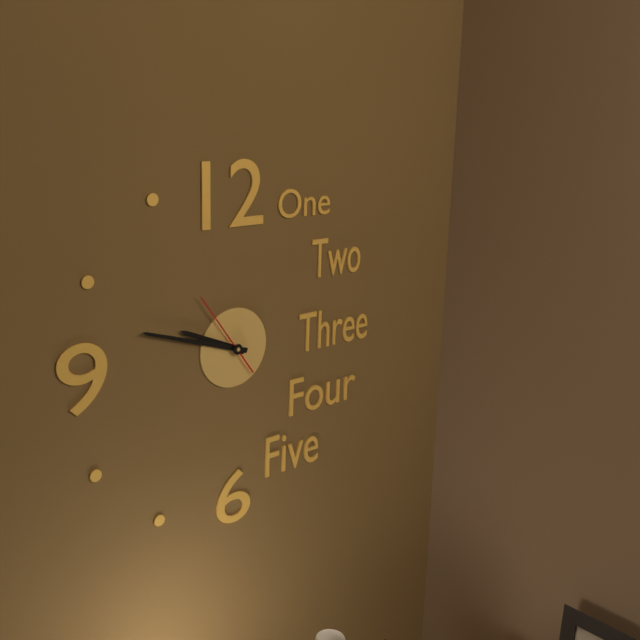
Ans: {"hour": 9, "minute": 48, "second": 54}
